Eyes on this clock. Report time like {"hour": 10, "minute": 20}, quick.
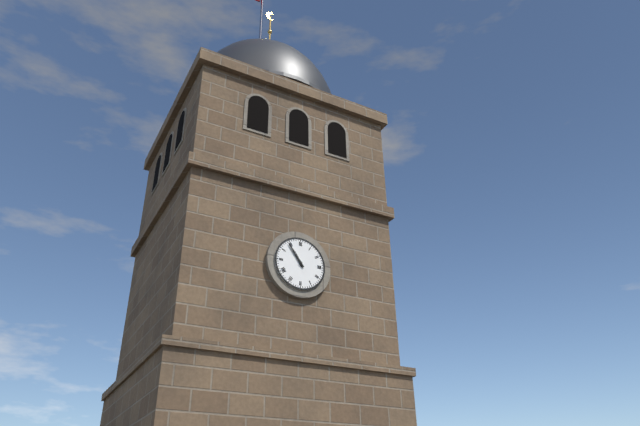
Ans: {"hour": 10, "minute": 54}
